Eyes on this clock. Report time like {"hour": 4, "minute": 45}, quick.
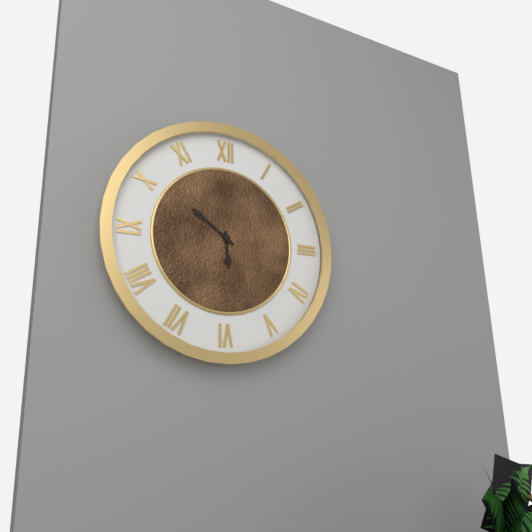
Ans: {"hour": 5, "minute": 51}
